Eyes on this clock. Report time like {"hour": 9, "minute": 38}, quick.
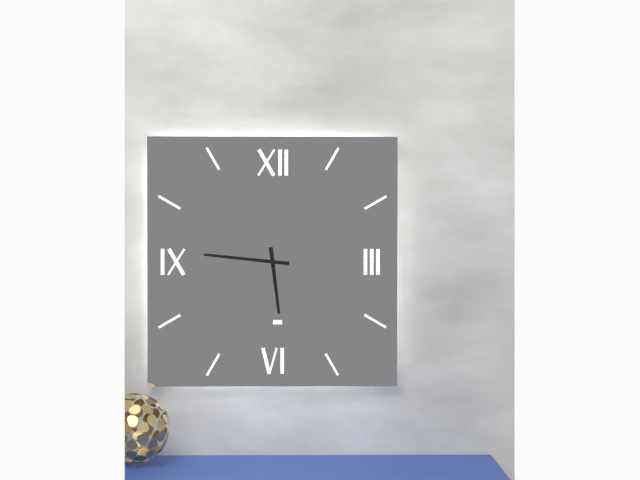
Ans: {"hour": 5, "minute": 46}
